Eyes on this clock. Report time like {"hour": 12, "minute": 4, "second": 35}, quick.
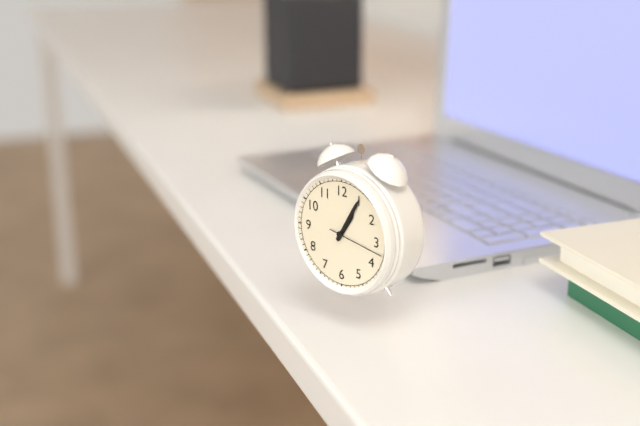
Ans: {"hour": 1, "minute": 5, "second": 17}
